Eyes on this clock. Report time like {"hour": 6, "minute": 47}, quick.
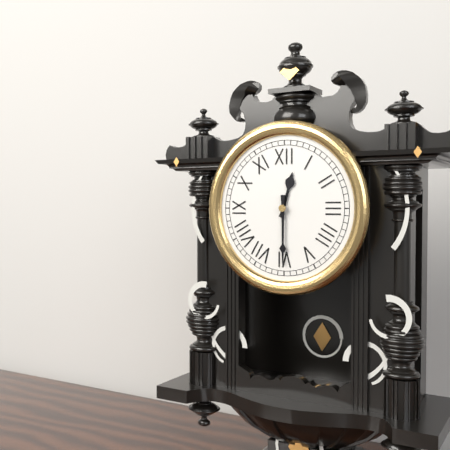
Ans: {"hour": 12, "minute": 30}
